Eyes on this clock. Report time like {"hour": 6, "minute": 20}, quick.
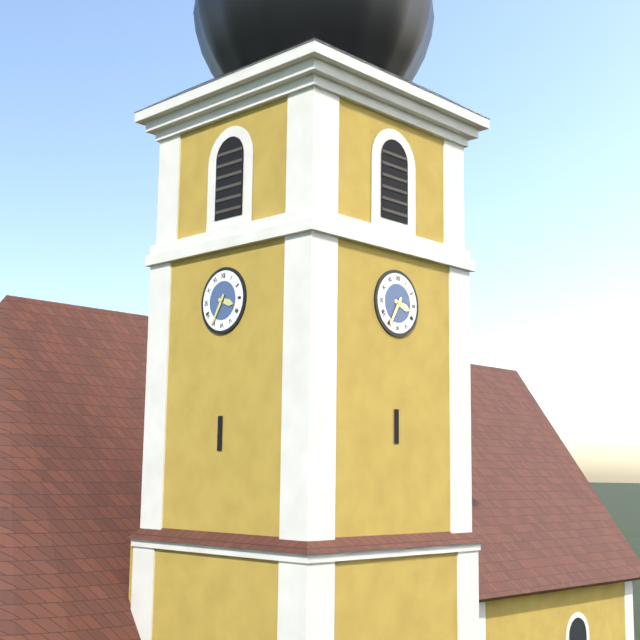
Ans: {"hour": 3, "minute": 35}
